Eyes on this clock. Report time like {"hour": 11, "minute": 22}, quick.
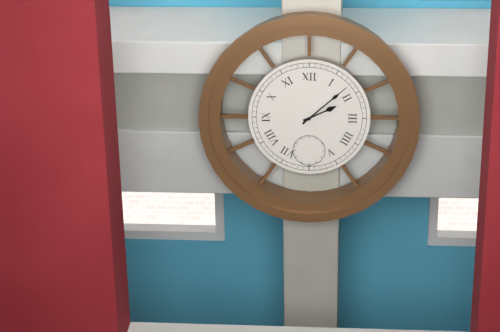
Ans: {"hour": 2, "minute": 8}
